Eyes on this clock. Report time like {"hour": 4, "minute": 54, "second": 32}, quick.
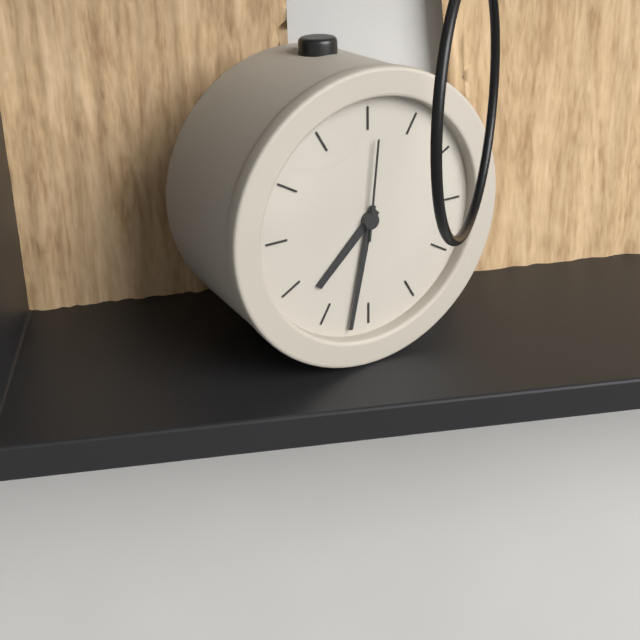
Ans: {"hour": 7, "minute": 32, "second": 1}
